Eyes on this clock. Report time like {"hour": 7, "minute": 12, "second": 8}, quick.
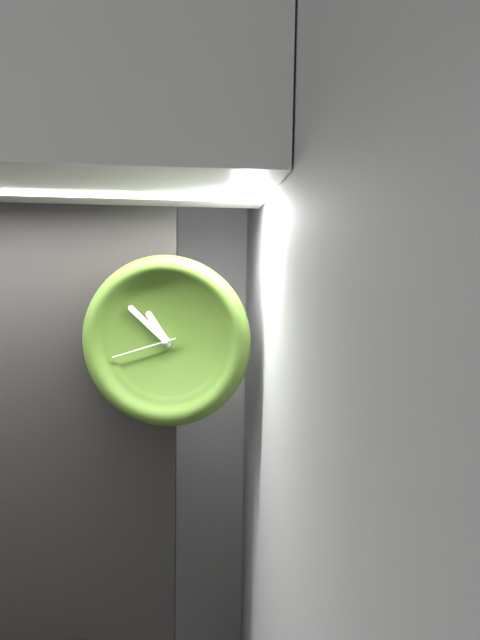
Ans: {"hour": 10, "minute": 52, "second": 42}
